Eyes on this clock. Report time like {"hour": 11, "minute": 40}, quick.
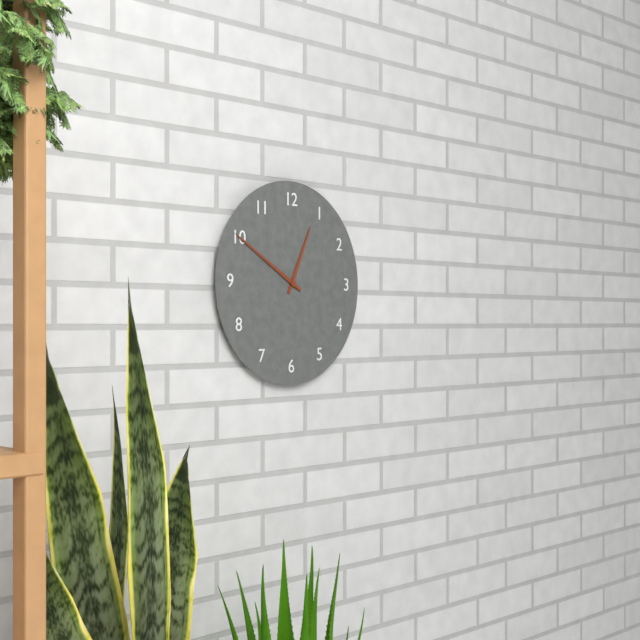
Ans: {"hour": 12, "minute": 50}
